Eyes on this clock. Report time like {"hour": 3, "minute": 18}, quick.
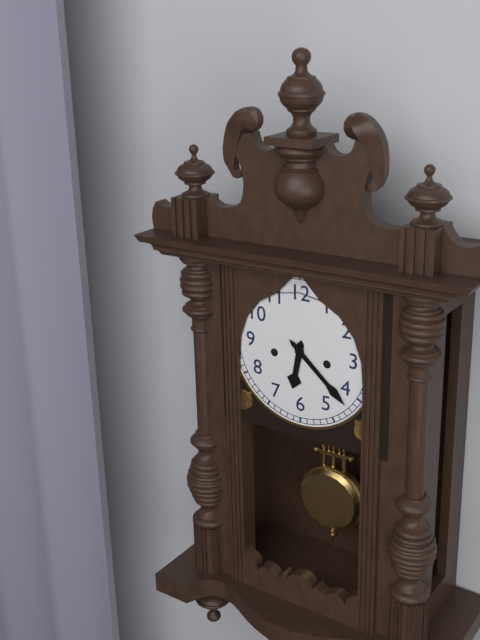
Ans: {"hour": 6, "minute": 22}
